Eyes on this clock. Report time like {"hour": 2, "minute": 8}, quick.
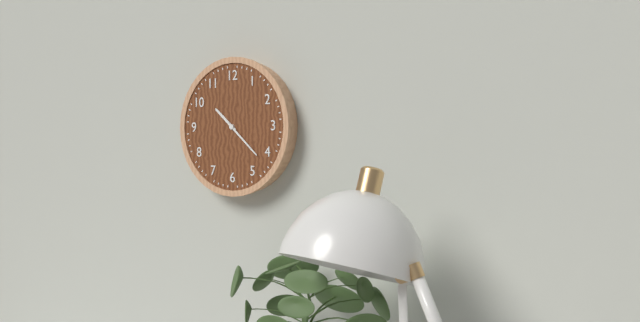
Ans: {"hour": 10, "minute": 22}
